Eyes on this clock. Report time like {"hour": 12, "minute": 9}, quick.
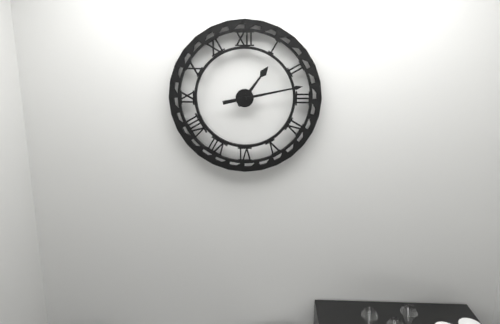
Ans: {"hour": 1, "minute": 13}
